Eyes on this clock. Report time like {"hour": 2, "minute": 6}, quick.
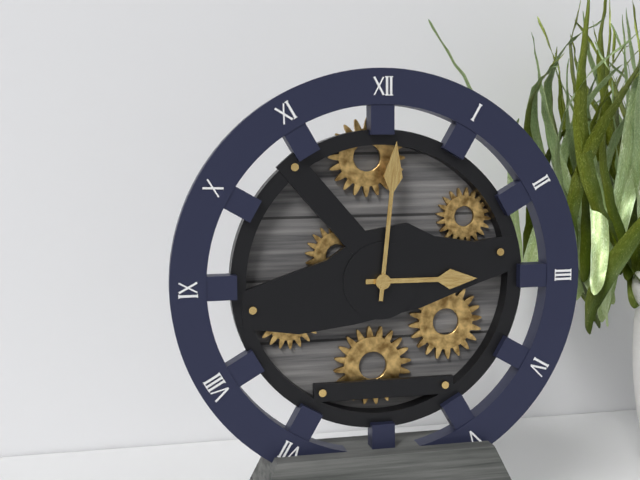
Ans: {"hour": 3, "minute": 1}
